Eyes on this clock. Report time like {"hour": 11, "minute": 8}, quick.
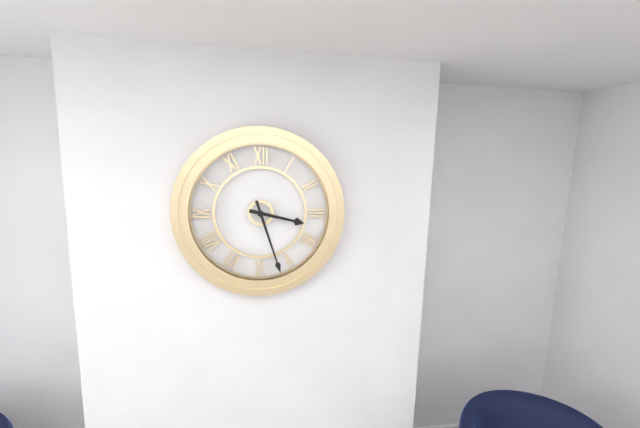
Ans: {"hour": 3, "minute": 27}
